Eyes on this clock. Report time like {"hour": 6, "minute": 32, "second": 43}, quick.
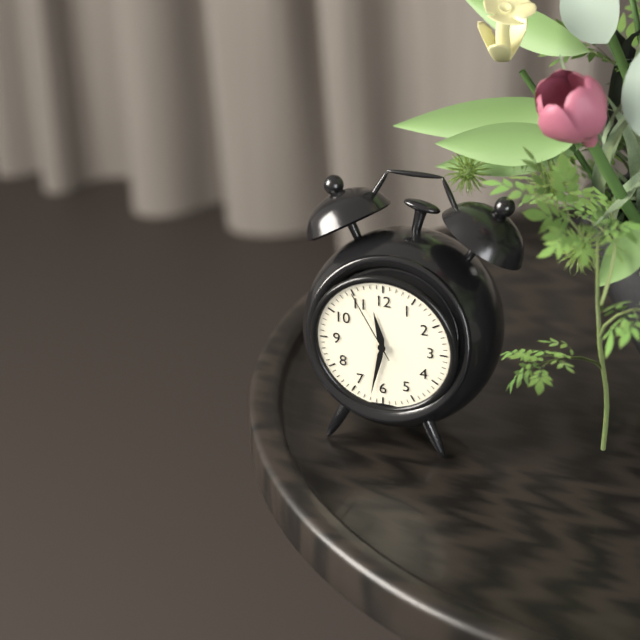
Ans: {"hour": 11, "minute": 32, "second": 55}
